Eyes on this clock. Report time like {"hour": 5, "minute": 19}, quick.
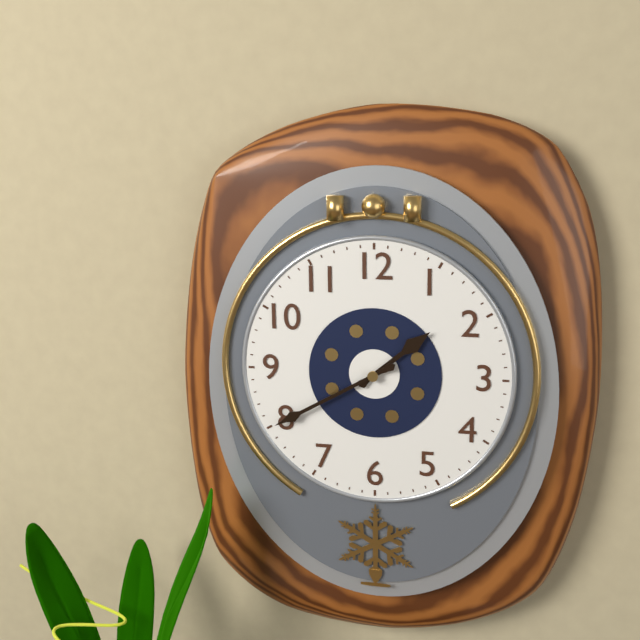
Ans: {"hour": 1, "minute": 40}
